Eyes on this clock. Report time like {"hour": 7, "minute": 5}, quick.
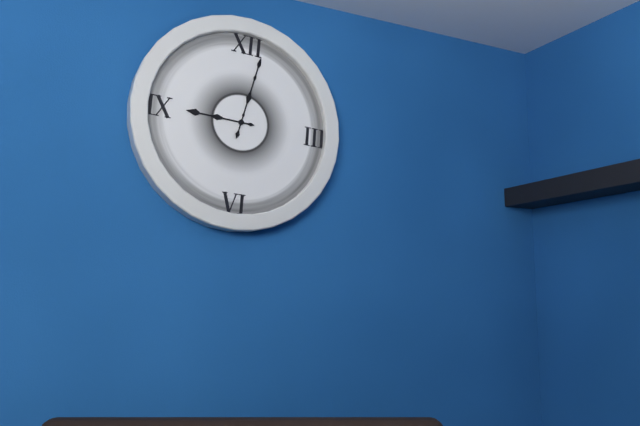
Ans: {"hour": 9, "minute": 2}
